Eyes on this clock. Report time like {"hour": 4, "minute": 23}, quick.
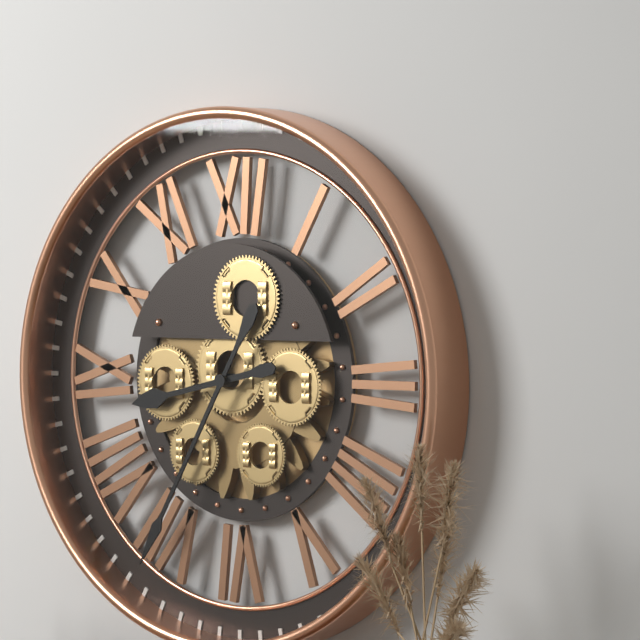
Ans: {"hour": 8, "minute": 35}
